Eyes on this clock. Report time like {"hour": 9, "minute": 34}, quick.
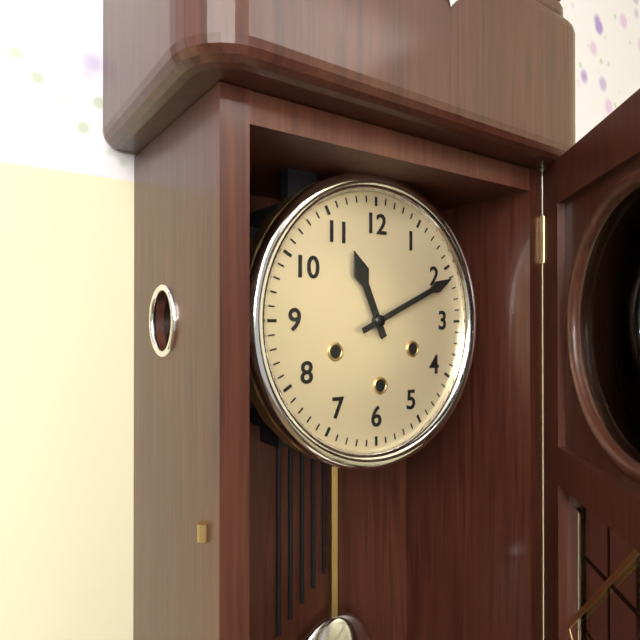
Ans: {"hour": 11, "minute": 11}
